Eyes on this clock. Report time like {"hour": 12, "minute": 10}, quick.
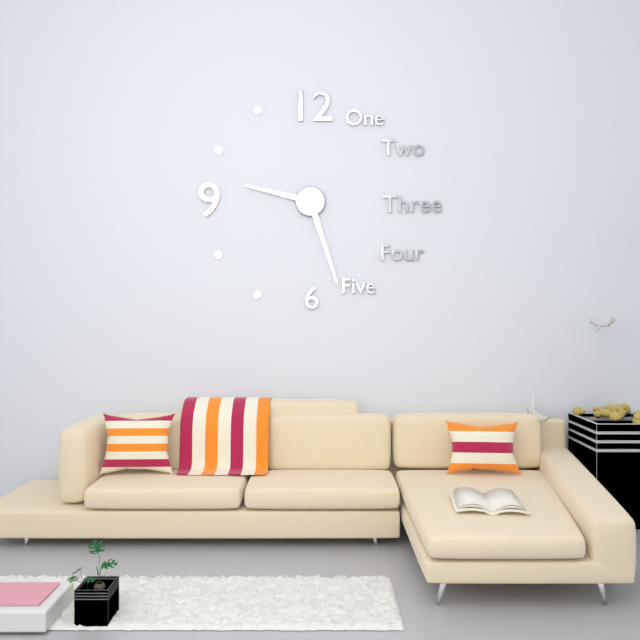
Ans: {"hour": 9, "minute": 27}
